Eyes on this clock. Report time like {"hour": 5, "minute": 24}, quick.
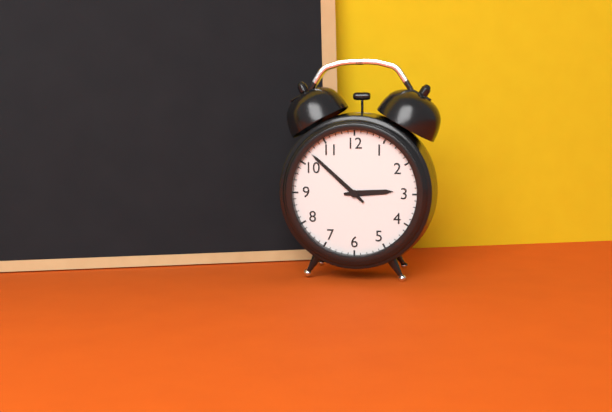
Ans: {"hour": 2, "minute": 52}
